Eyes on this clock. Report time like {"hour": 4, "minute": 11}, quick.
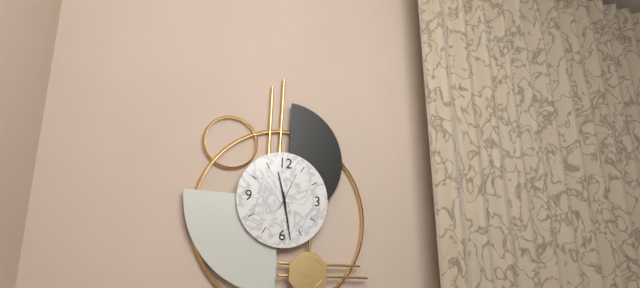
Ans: {"hour": 11, "minute": 28}
